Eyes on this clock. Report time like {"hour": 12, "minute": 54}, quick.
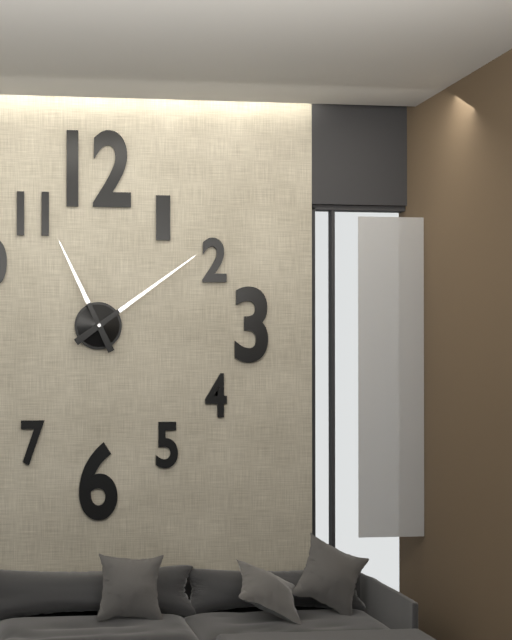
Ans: {"hour": 11, "minute": 9}
